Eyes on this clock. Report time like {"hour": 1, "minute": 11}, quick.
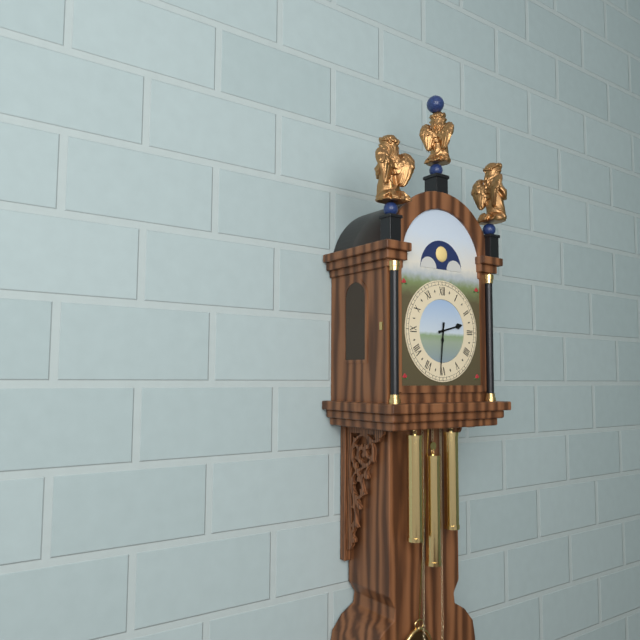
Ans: {"hour": 2, "minute": 31}
